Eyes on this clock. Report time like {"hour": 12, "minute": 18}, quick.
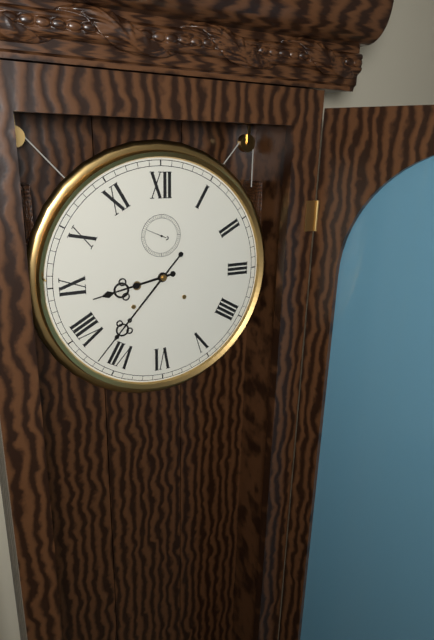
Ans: {"hour": 8, "minute": 37}
